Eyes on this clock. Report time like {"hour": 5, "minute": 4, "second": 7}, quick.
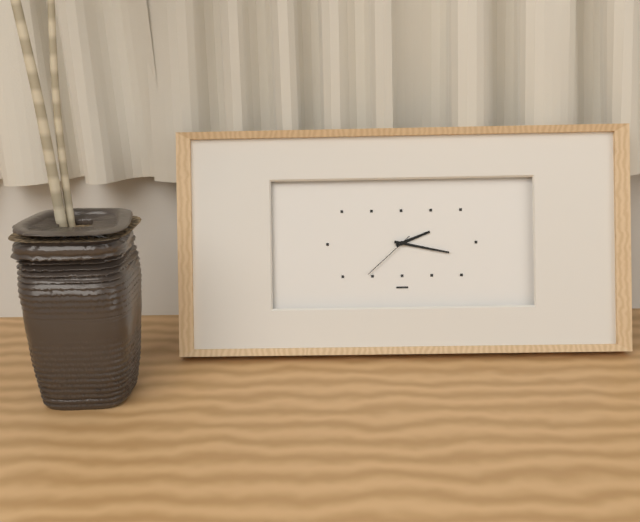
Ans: {"hour": 2, "minute": 17, "second": 38}
